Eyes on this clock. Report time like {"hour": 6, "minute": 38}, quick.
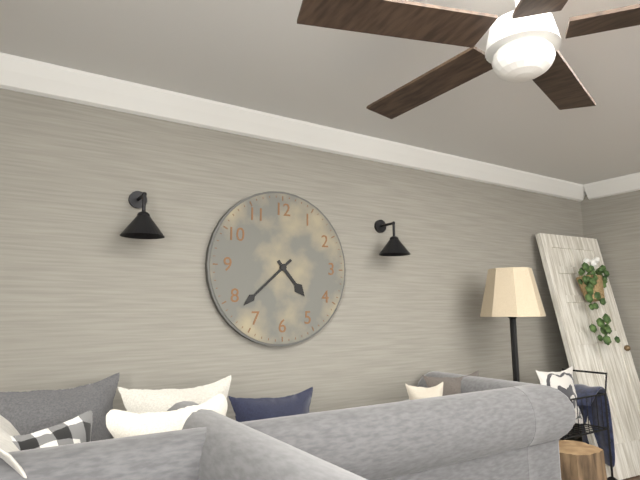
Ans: {"hour": 4, "minute": 38}
